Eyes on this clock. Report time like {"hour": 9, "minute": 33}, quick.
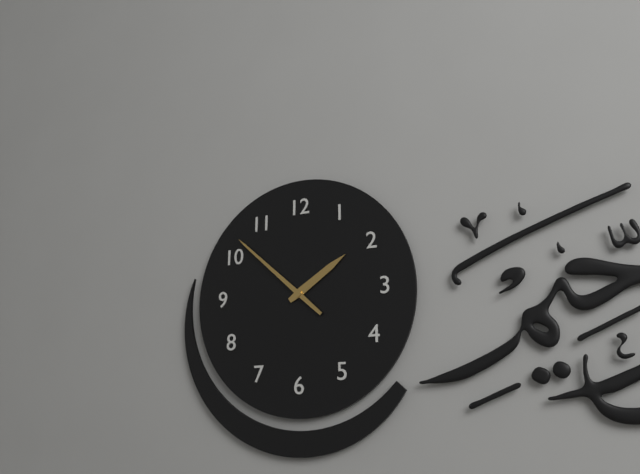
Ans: {"hour": 1, "minute": 52}
